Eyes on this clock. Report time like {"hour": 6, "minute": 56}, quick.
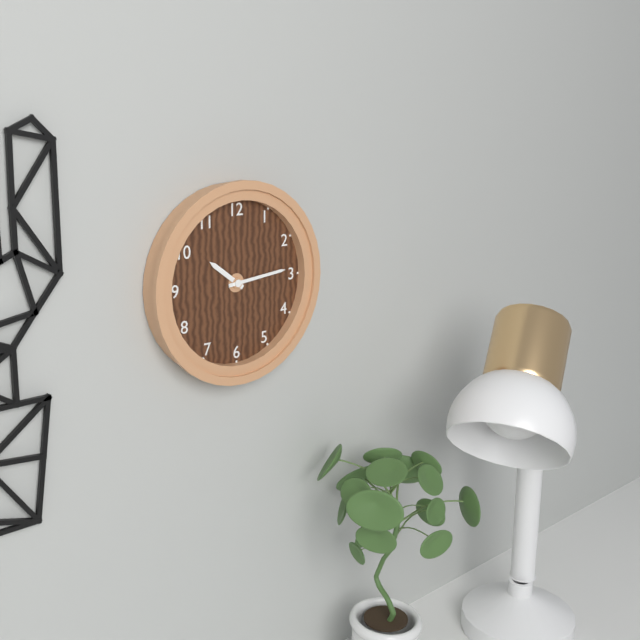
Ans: {"hour": 10, "minute": 14}
